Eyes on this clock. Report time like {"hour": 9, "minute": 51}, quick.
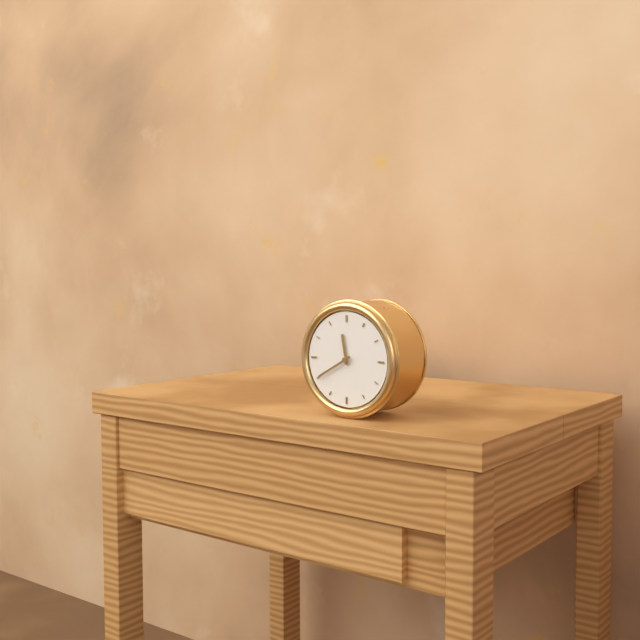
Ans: {"hour": 11, "minute": 40}
